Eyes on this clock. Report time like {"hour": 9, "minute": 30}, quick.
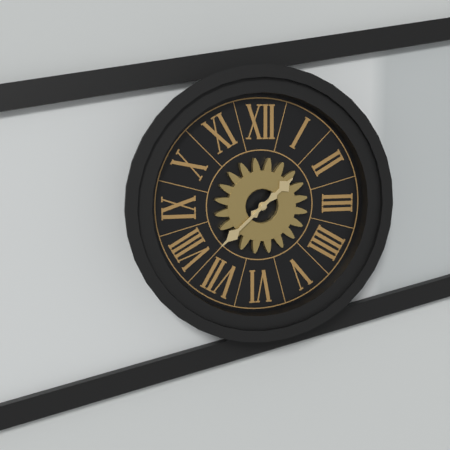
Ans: {"hour": 1, "minute": 38}
